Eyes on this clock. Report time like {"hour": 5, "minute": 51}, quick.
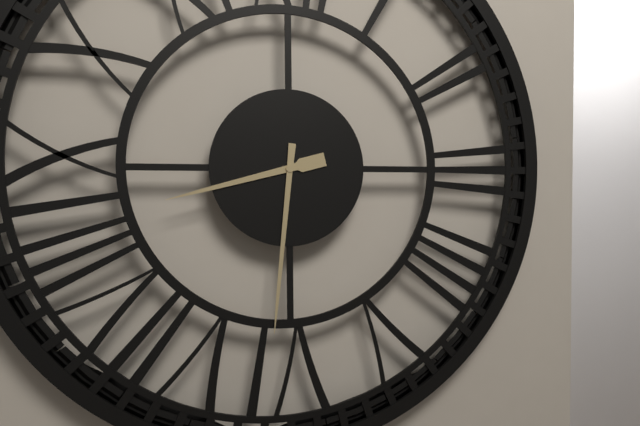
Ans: {"hour": 8, "minute": 31}
